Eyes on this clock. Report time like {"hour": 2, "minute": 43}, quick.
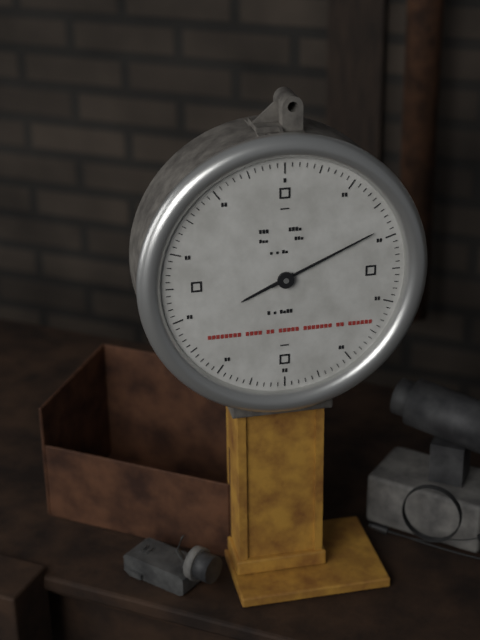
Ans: {"hour": 8, "minute": 11}
